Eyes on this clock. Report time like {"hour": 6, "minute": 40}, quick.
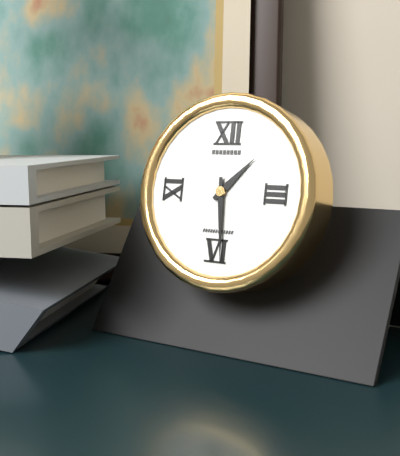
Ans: {"hour": 1, "minute": 29}
